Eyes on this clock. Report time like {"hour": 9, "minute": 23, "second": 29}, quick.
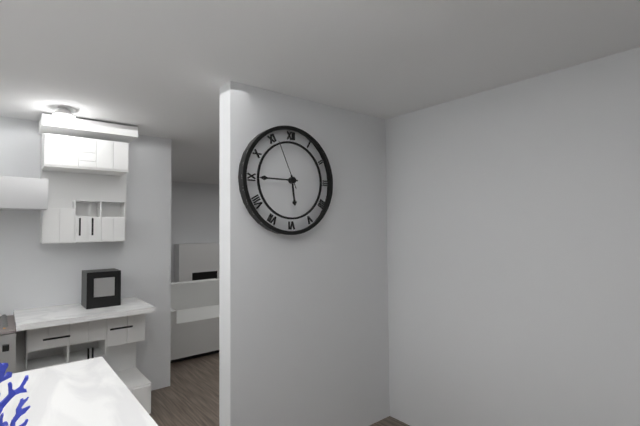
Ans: {"hour": 5, "minute": 45, "second": 56}
